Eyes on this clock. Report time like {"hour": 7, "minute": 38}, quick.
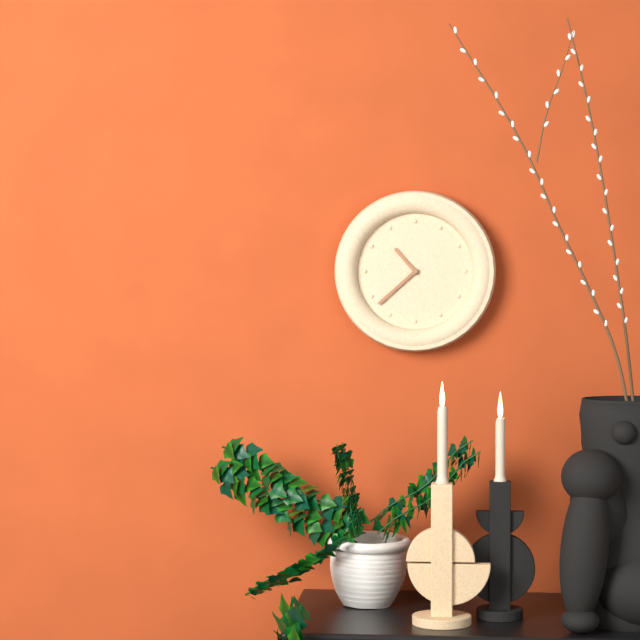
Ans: {"hour": 10, "minute": 38}
